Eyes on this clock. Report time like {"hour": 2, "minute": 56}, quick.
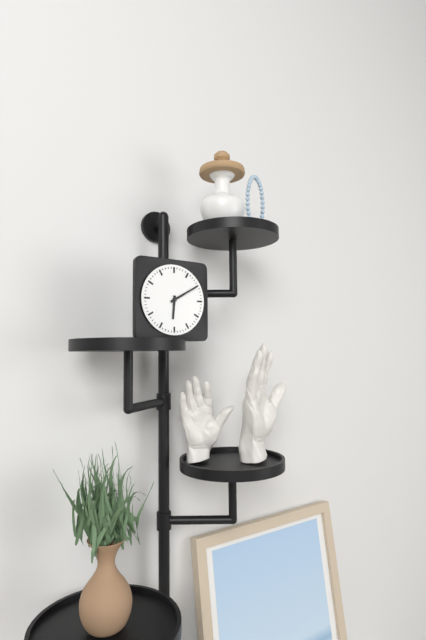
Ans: {"hour": 6, "minute": 10}
